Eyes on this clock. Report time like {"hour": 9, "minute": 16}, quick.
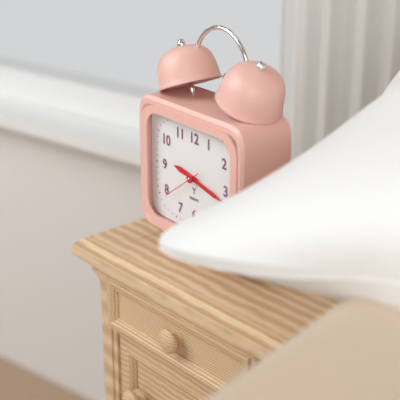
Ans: {"hour": 9, "minute": 17}
